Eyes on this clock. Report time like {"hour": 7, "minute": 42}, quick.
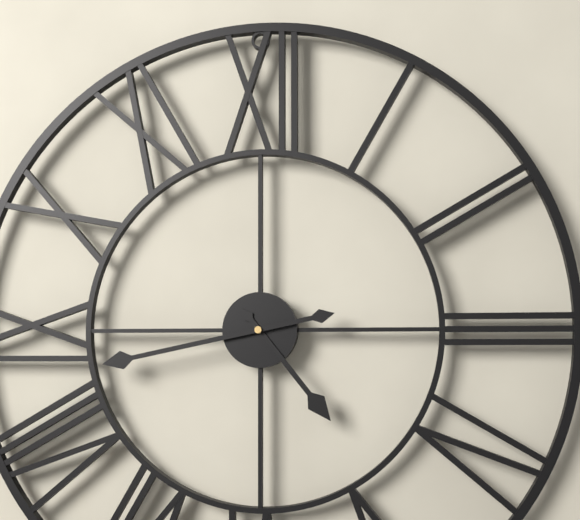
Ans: {"hour": 4, "minute": 43}
